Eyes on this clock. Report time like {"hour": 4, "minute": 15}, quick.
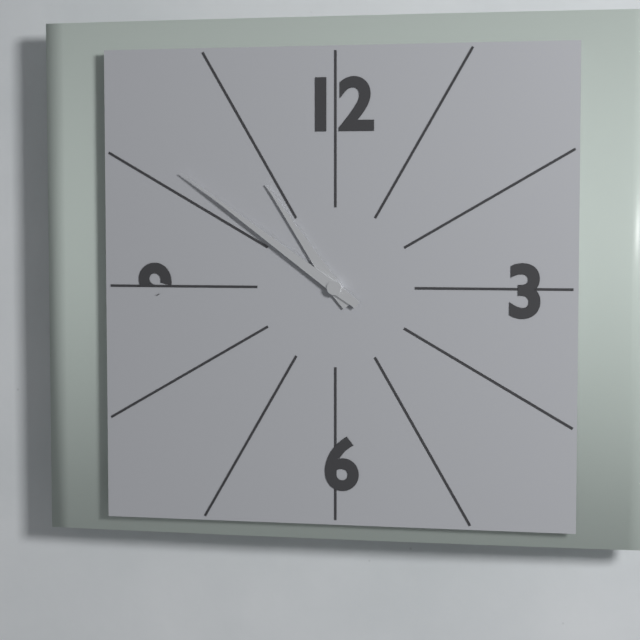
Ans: {"hour": 10, "minute": 51}
